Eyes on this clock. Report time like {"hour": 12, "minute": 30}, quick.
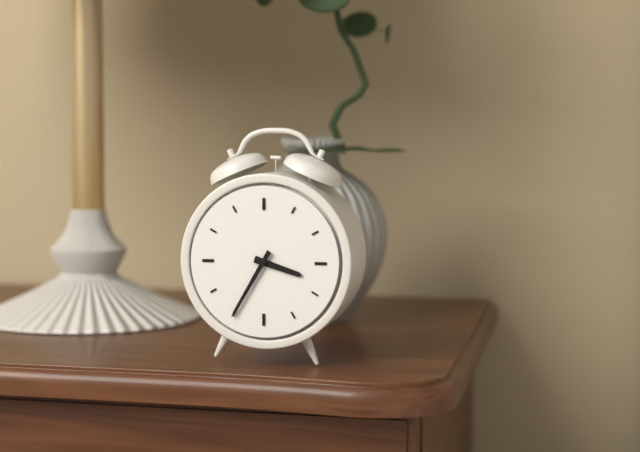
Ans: {"hour": 3, "minute": 35}
